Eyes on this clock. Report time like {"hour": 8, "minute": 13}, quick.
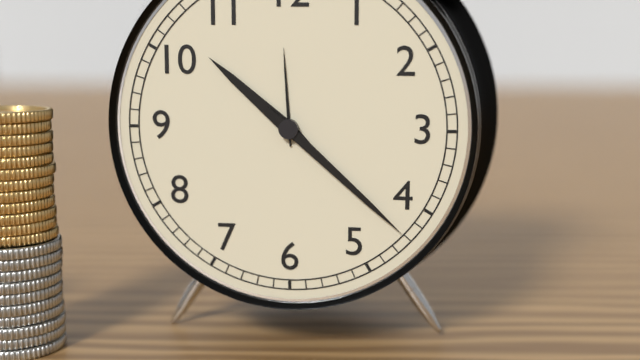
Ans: {"hour": 10, "minute": 22}
